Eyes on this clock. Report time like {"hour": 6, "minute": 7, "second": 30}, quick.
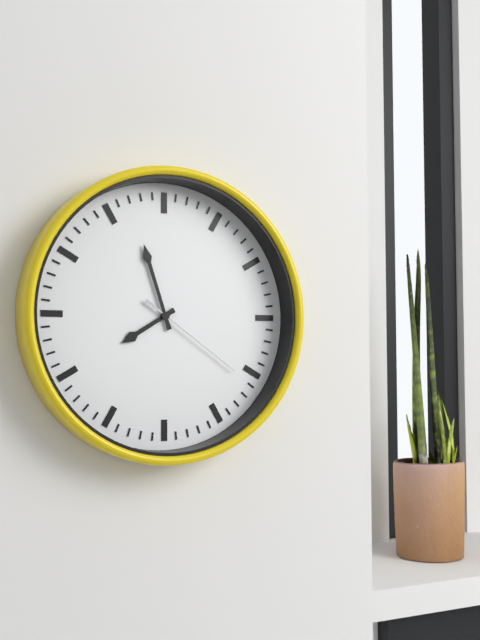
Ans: {"hour": 7, "minute": 57, "second": 21}
